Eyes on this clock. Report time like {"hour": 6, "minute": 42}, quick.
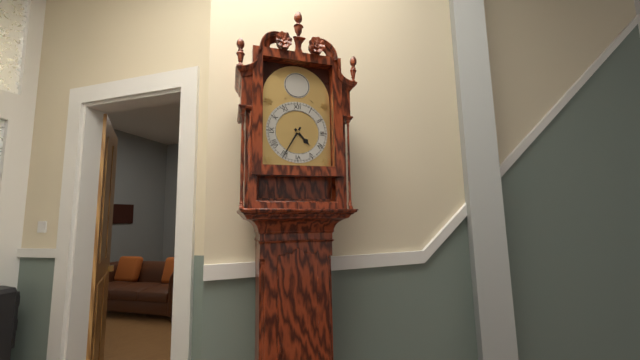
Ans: {"hour": 4, "minute": 35}
